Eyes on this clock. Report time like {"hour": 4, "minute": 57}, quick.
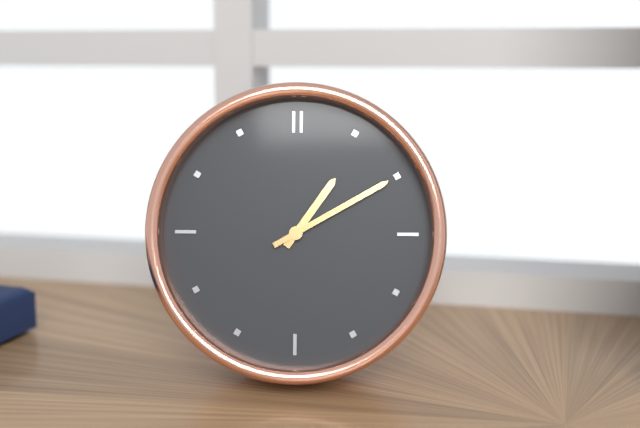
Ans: {"hour": 1, "minute": 10}
